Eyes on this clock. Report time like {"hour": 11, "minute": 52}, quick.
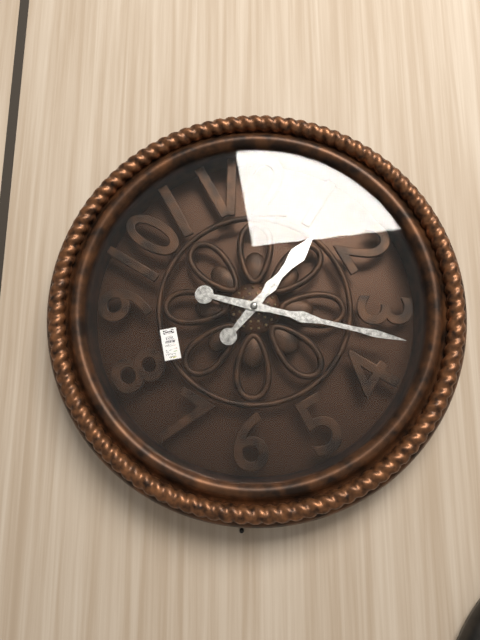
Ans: {"hour": 1, "minute": 17}
